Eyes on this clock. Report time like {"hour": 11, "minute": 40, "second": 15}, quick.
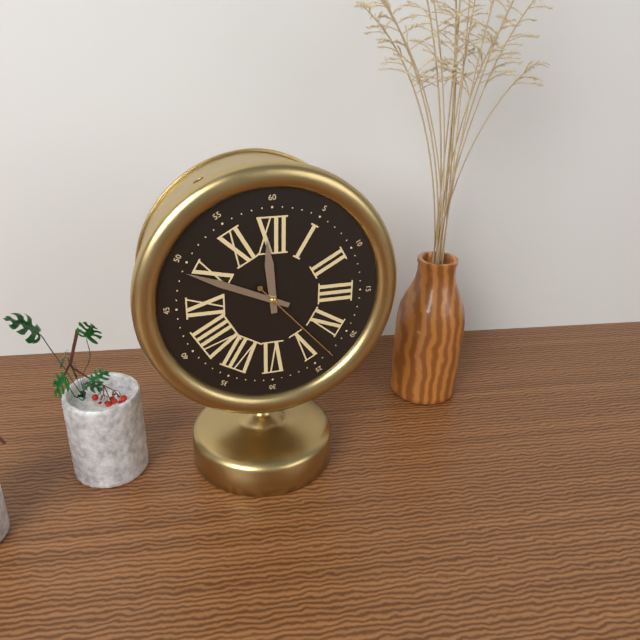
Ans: {"hour": 11, "minute": 49, "second": 23}
